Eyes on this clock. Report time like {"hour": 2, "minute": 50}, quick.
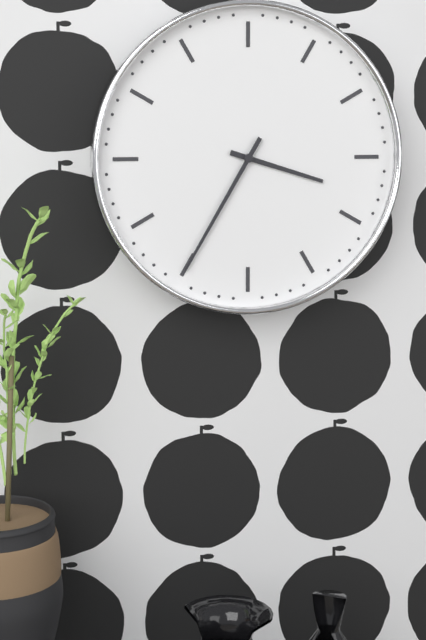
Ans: {"hour": 3, "minute": 35}
